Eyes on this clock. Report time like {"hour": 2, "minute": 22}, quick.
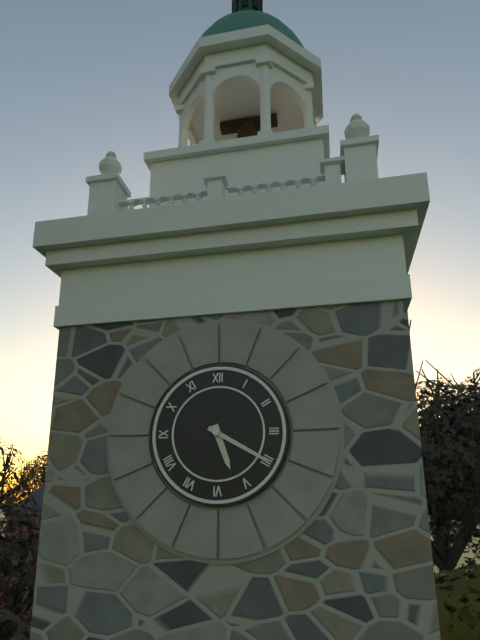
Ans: {"hour": 5, "minute": 20}
